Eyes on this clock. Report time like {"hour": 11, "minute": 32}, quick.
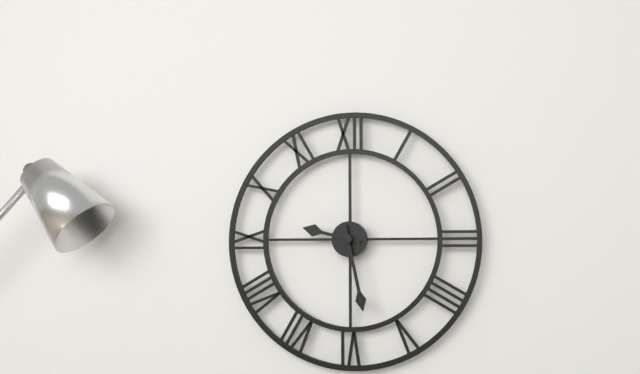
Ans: {"hour": 9, "minute": 28}
